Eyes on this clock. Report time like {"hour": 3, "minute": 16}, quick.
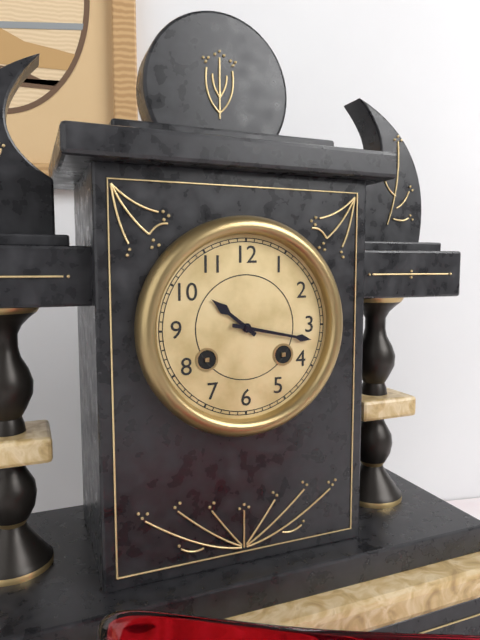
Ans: {"hour": 10, "minute": 17}
